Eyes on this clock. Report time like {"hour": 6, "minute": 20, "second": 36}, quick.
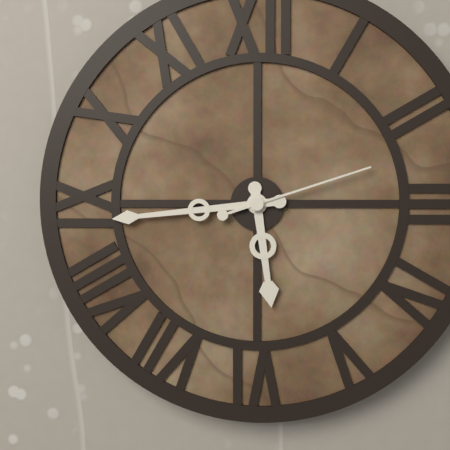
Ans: {"hour": 5, "minute": 44, "second": 12}
